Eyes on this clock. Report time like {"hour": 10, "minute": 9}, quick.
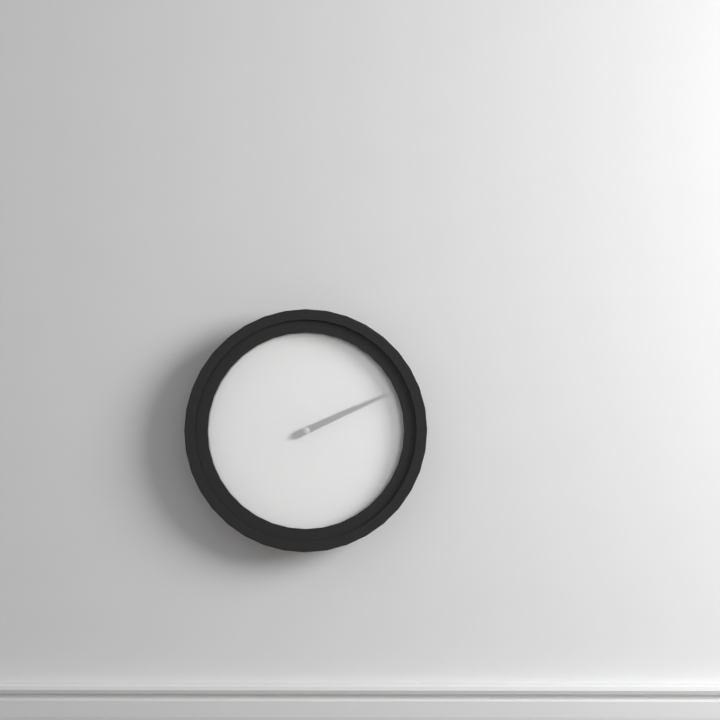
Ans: {"hour": 2, "minute": 11}
